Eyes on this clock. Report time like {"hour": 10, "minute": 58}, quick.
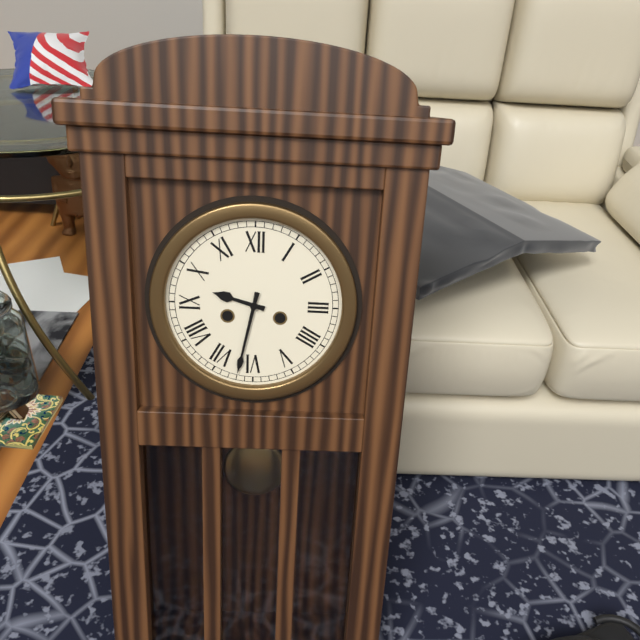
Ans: {"hour": 9, "minute": 32}
